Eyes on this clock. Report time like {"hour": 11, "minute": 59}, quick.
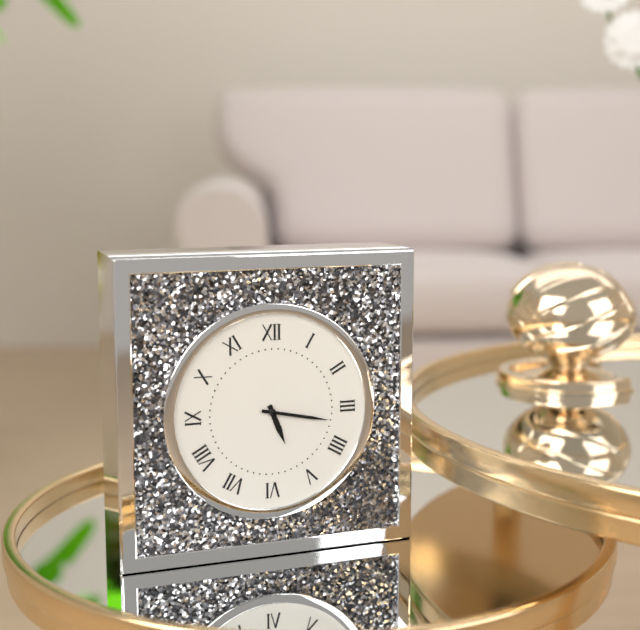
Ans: {"hour": 5, "minute": 17}
